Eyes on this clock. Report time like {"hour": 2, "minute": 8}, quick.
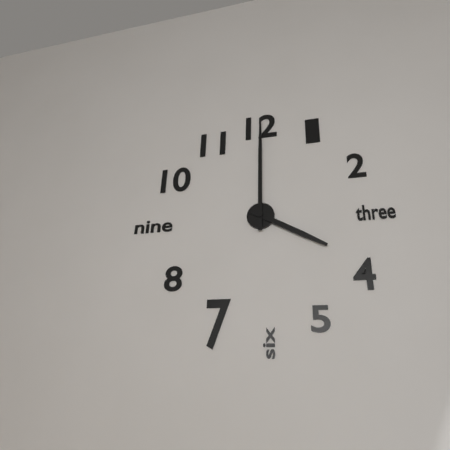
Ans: {"hour": 4, "minute": 0}
